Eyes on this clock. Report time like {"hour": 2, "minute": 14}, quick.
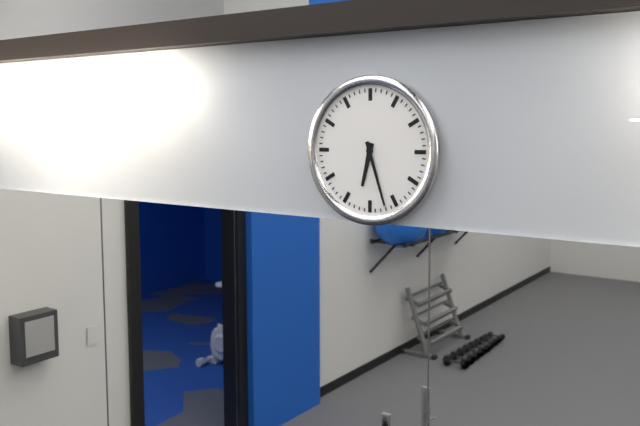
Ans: {"hour": 6, "minute": 27}
